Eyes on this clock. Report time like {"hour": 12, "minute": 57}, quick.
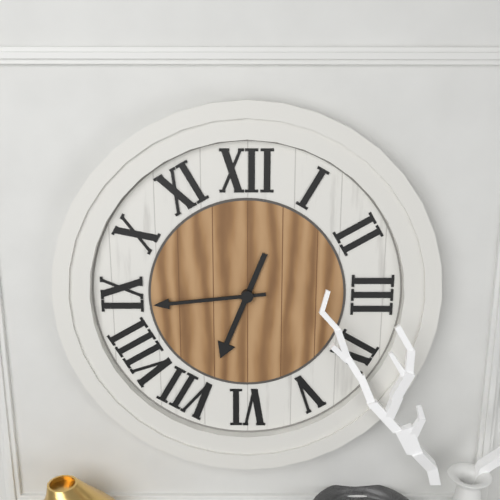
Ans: {"hour": 6, "minute": 44}
